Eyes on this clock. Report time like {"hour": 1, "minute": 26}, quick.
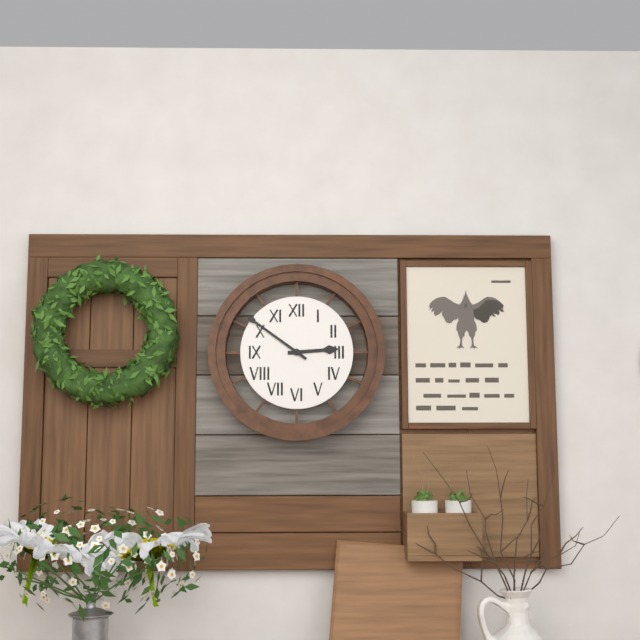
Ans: {"hour": 2, "minute": 51}
